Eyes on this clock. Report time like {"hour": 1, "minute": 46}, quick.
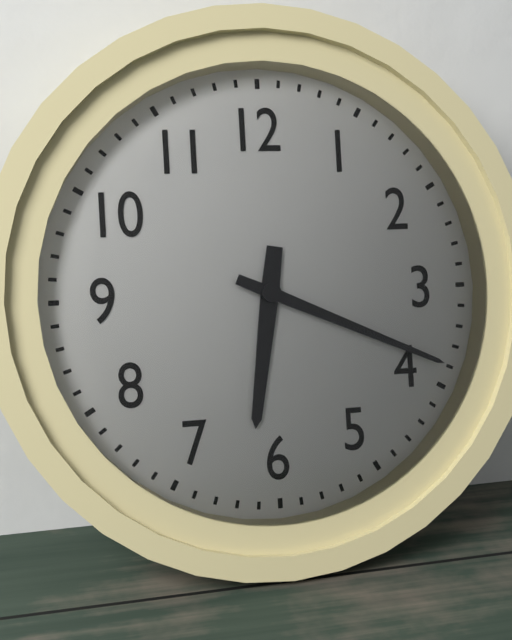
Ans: {"hour": 6, "minute": 19}
